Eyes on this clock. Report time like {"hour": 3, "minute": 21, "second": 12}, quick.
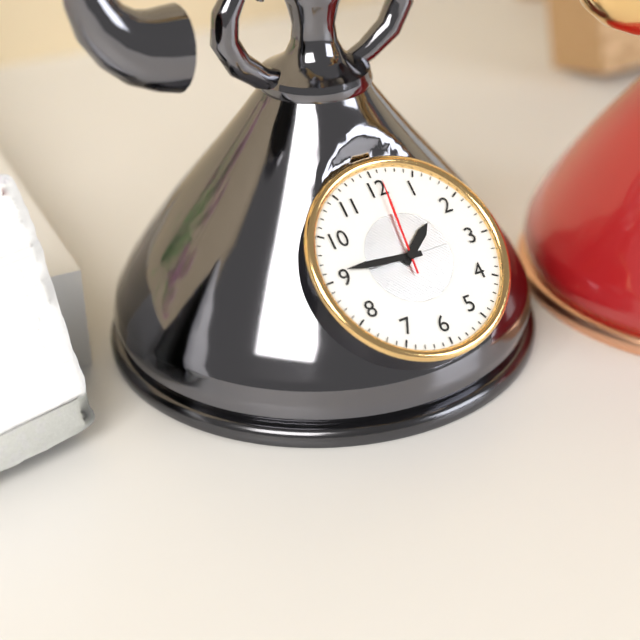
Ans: {"hour": 1, "minute": 46, "second": 1}
